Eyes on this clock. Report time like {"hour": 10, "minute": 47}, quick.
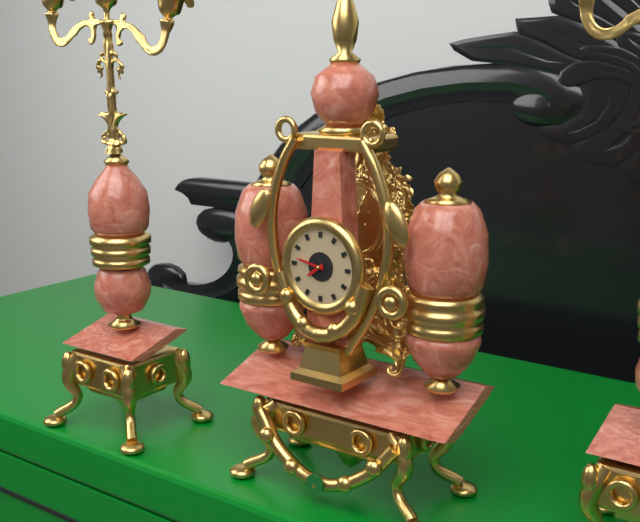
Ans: {"hour": 7, "minute": 47}
